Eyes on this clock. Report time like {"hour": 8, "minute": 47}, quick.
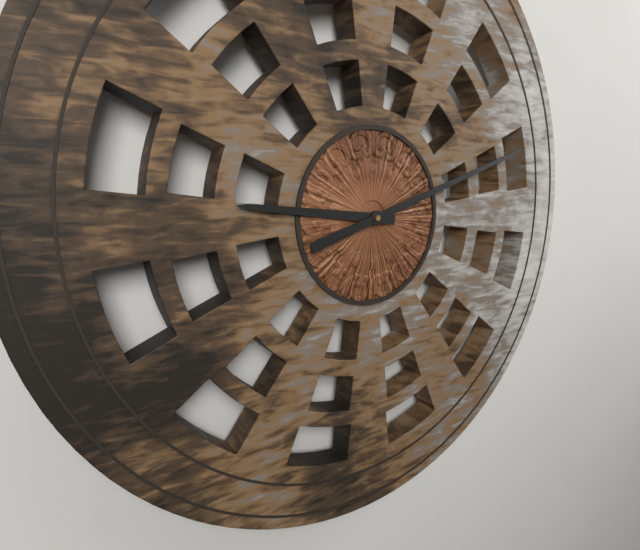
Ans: {"hour": 9, "minute": 12}
